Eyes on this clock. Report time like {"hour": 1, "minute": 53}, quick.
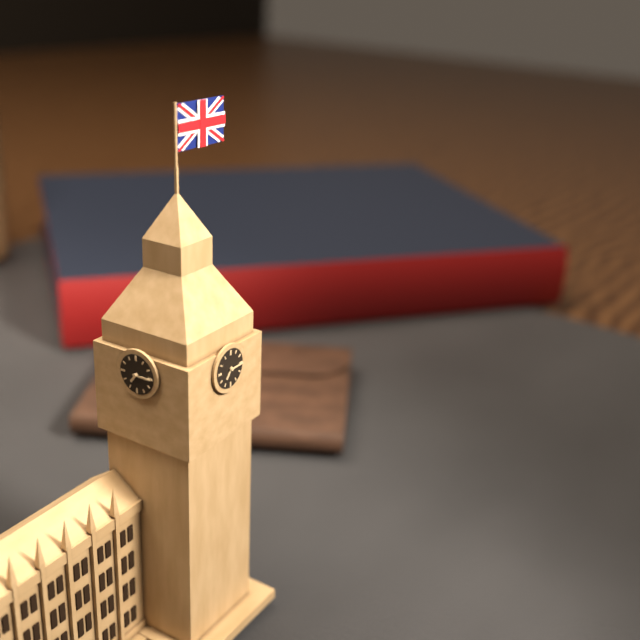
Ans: {"hour": 7, "minute": 15}
